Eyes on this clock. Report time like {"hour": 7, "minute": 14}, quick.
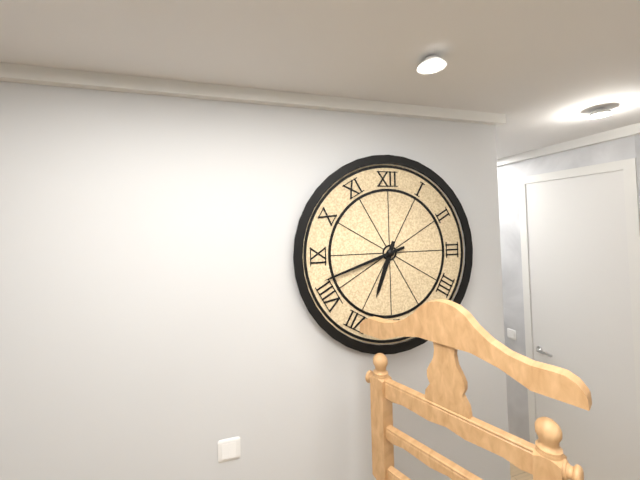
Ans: {"hour": 6, "minute": 42}
